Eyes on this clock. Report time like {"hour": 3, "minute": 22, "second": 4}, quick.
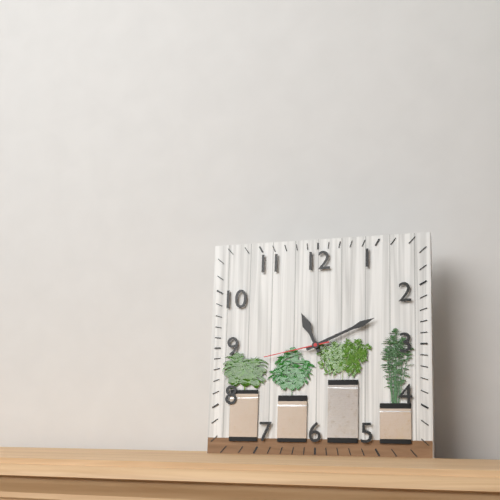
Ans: {"hour": 11, "minute": 11, "second": 43}
